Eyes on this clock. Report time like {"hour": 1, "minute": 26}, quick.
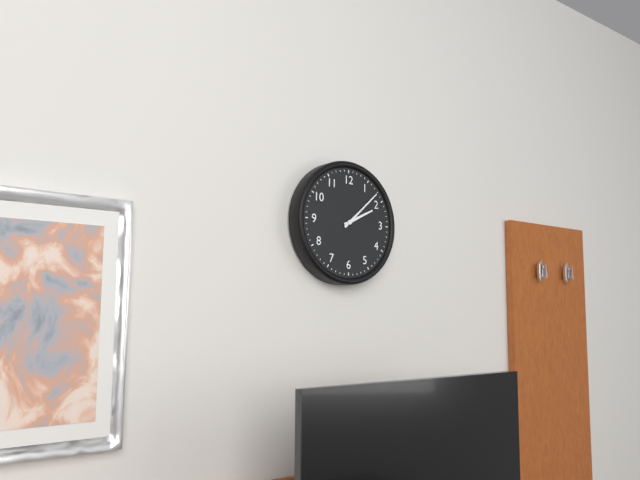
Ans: {"hour": 2, "minute": 8}
